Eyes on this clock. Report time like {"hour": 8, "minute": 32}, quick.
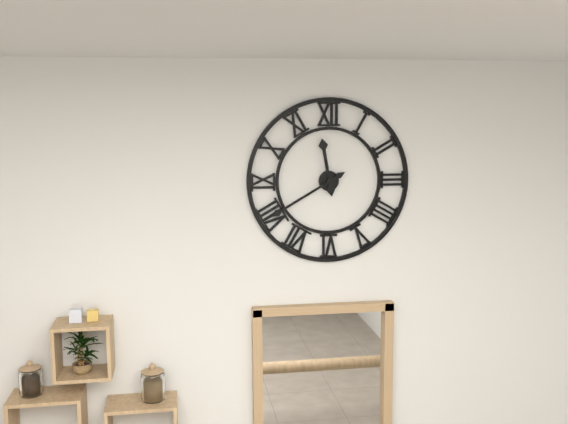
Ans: {"hour": 11, "minute": 40}
